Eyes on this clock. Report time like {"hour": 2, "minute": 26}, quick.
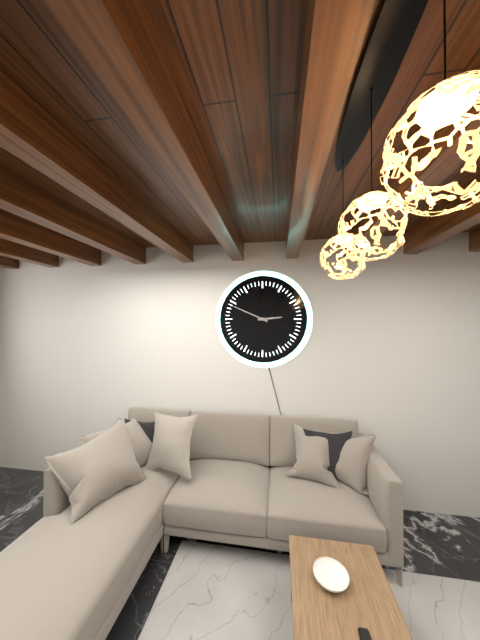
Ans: {"hour": 2, "minute": 49}
